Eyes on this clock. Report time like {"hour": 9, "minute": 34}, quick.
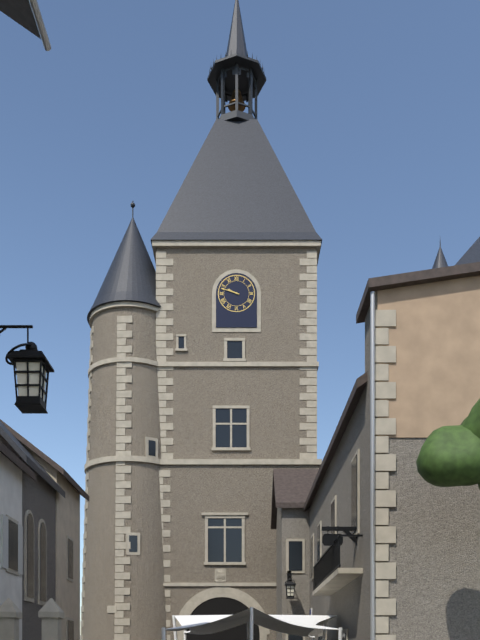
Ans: {"hour": 9, "minute": 48}
